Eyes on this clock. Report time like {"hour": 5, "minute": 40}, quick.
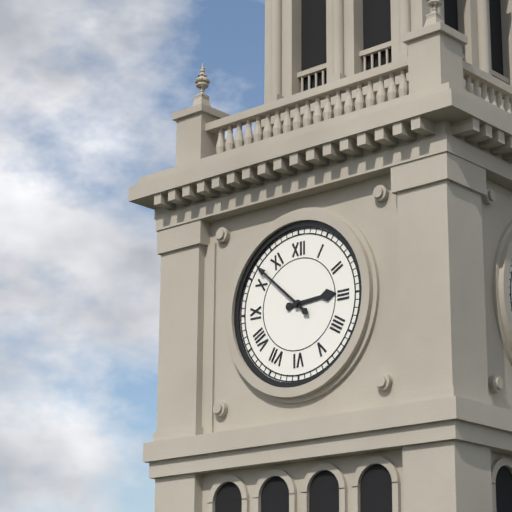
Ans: {"hour": 2, "minute": 52}
